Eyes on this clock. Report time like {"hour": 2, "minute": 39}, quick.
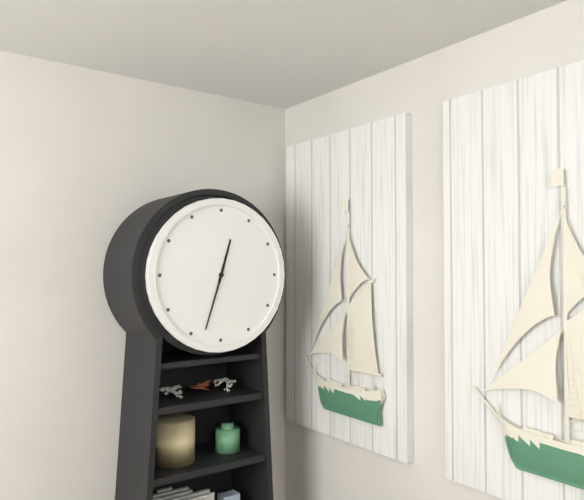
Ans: {"hour": 12, "minute": 33}
